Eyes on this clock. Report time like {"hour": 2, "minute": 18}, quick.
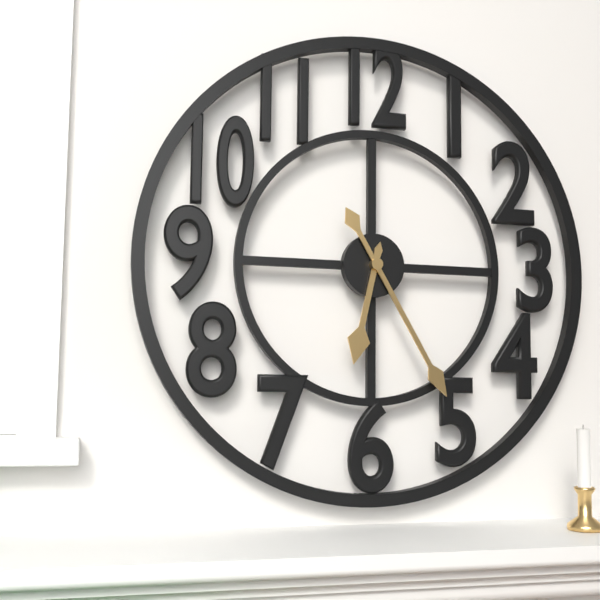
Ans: {"hour": 6, "minute": 25}
